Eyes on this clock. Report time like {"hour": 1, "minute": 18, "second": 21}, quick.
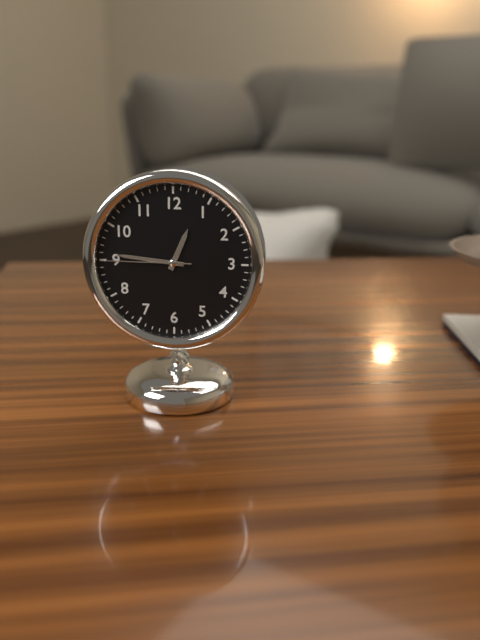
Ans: {"hour": 12, "minute": 46, "second": 45}
